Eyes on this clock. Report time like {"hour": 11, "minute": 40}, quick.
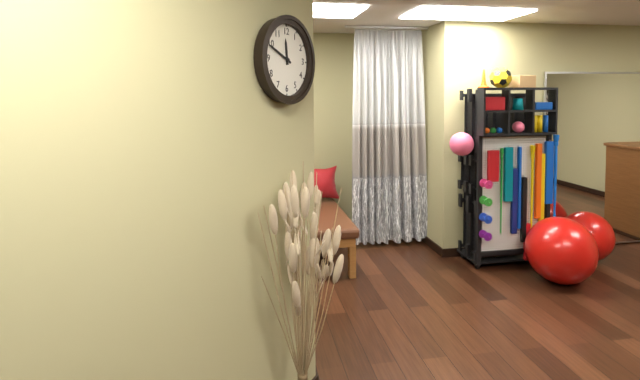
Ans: {"hour": 11, "minute": 49}
